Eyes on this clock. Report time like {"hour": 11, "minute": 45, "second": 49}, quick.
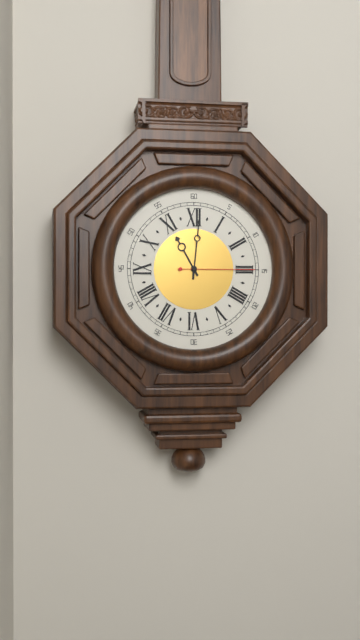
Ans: {"hour": 11, "minute": 1, "second": 15}
